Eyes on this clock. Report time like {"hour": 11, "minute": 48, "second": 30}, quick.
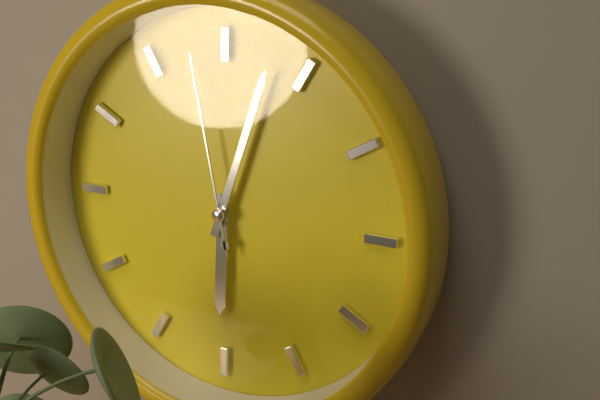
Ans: {"hour": 6, "minute": 3, "second": 58}
